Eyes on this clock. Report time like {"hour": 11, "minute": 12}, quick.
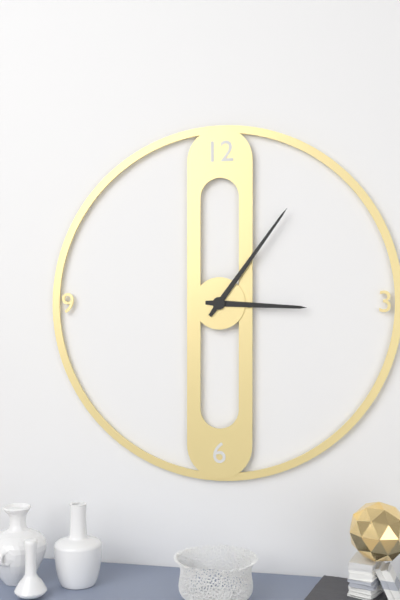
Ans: {"hour": 3, "minute": 6}
